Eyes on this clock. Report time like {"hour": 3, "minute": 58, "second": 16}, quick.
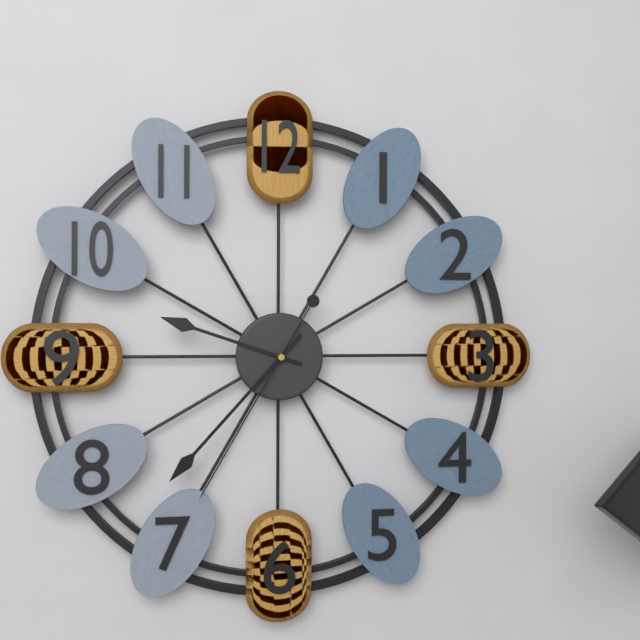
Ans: {"hour": 9, "minute": 37, "second": 35}
